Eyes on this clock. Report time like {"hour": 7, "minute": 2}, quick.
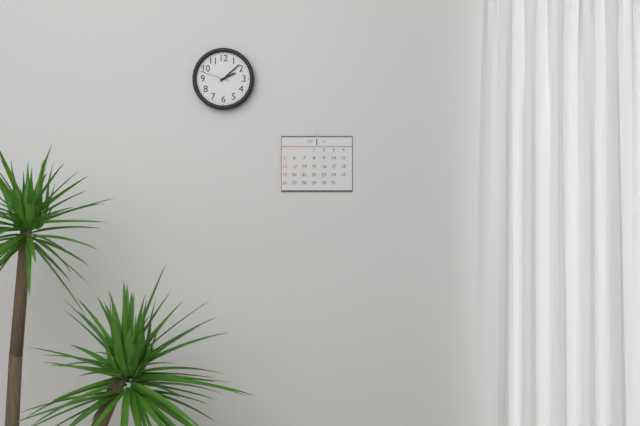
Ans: {"hour": 2, "minute": 8}
